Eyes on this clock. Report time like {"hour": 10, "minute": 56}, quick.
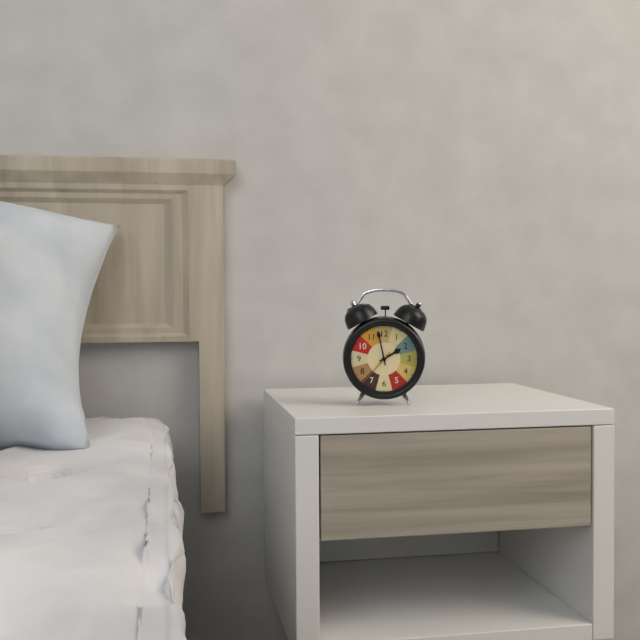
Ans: {"hour": 1, "minute": 58}
